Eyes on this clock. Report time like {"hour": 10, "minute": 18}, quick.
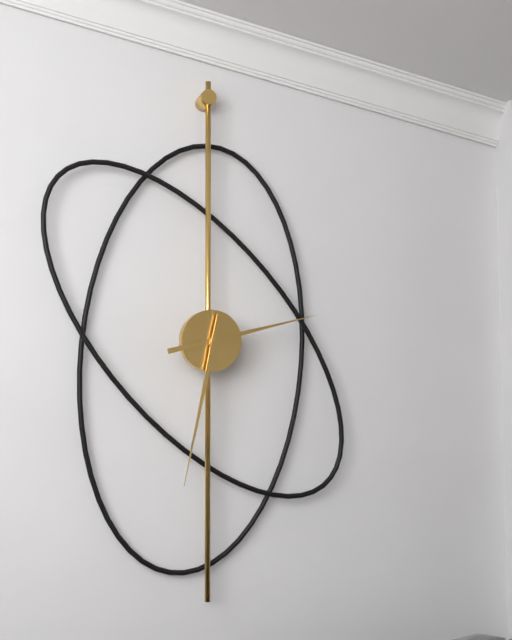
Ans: {"hour": 2, "minute": 32}
